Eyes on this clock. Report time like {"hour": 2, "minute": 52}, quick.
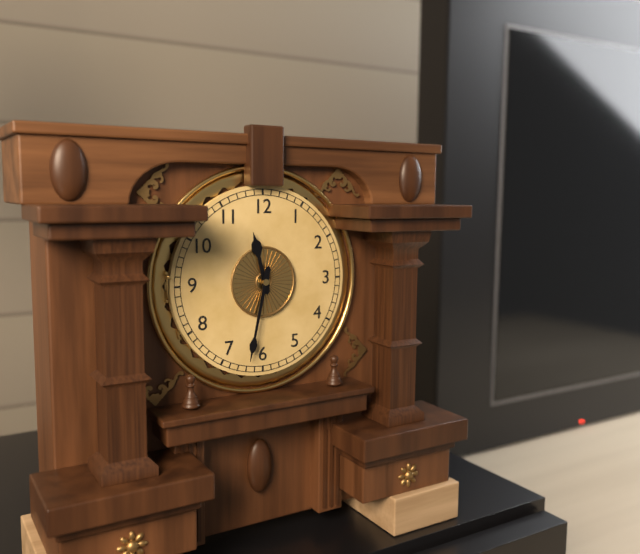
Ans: {"hour": 11, "minute": 32}
